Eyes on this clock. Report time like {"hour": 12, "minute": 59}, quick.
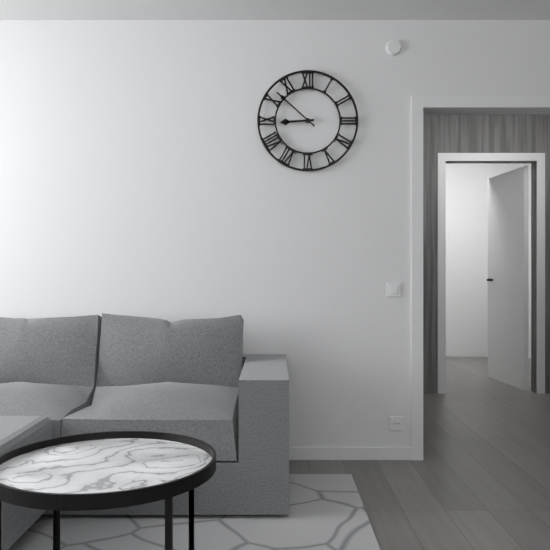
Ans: {"hour": 8, "minute": 52}
